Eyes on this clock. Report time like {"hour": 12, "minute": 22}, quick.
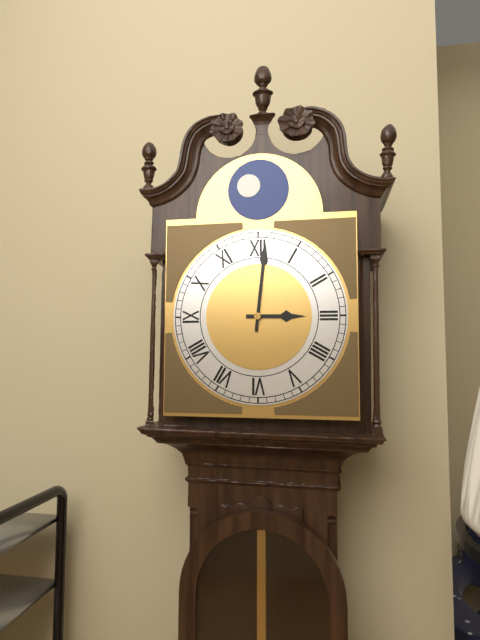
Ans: {"hour": 3, "minute": 1}
